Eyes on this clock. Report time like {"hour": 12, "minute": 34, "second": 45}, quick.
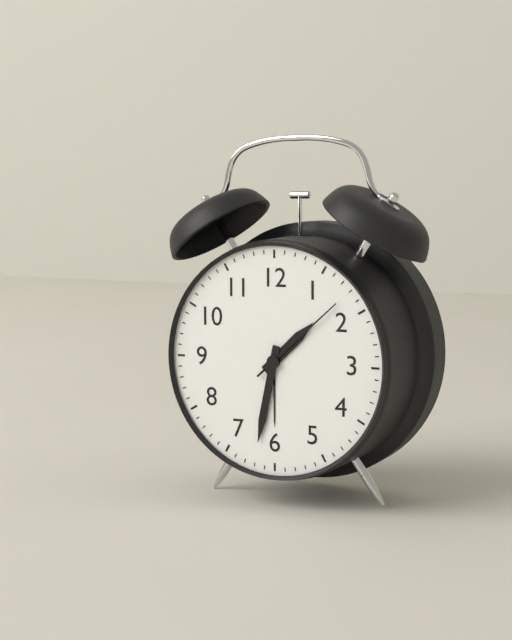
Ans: {"hour": 1, "minute": 32, "second": 8}
